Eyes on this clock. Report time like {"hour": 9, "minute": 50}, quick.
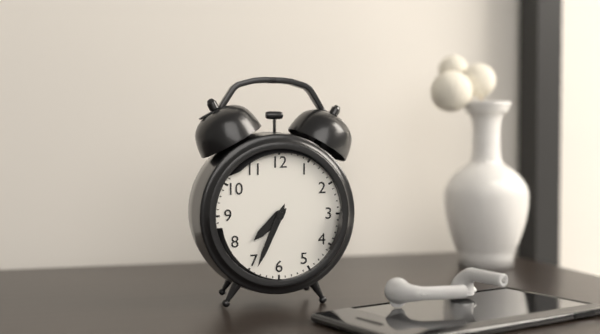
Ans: {"hour": 7, "minute": 34}
